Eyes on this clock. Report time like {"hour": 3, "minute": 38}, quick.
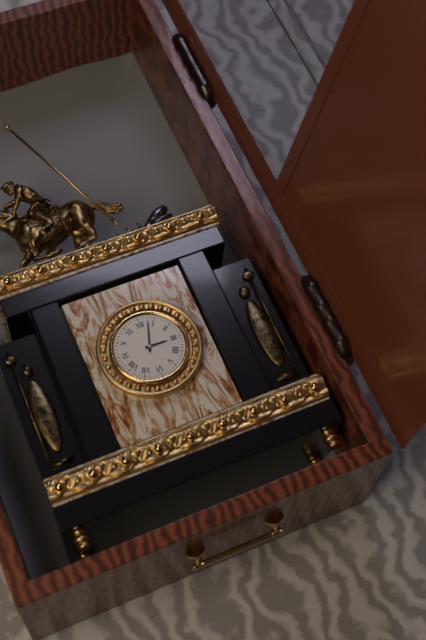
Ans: {"hour": 3, "minute": 3}
